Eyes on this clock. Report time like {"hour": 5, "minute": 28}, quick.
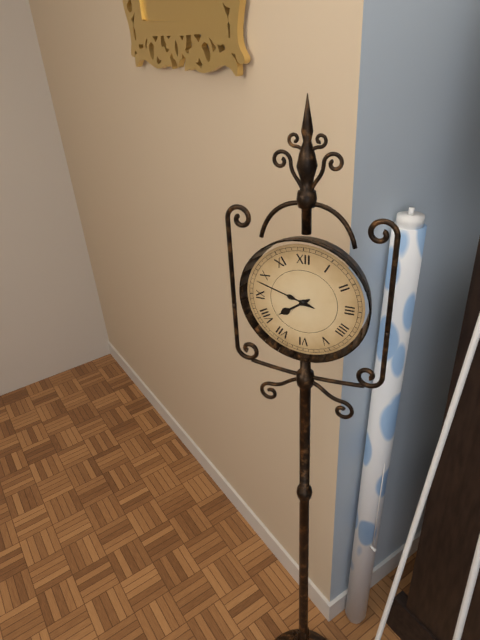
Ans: {"hour": 7, "minute": 48}
